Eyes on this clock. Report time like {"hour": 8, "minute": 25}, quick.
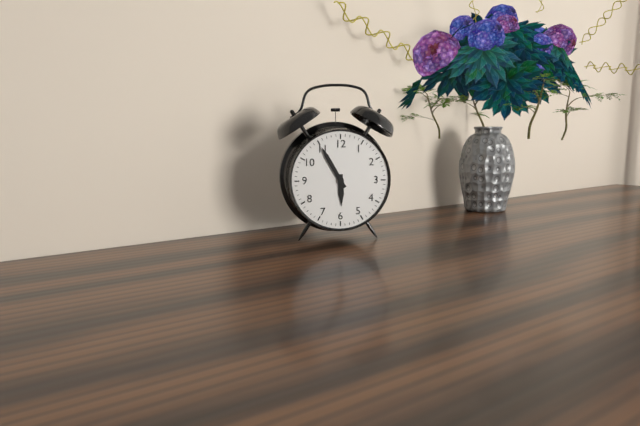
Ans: {"hour": 5, "minute": 55}
